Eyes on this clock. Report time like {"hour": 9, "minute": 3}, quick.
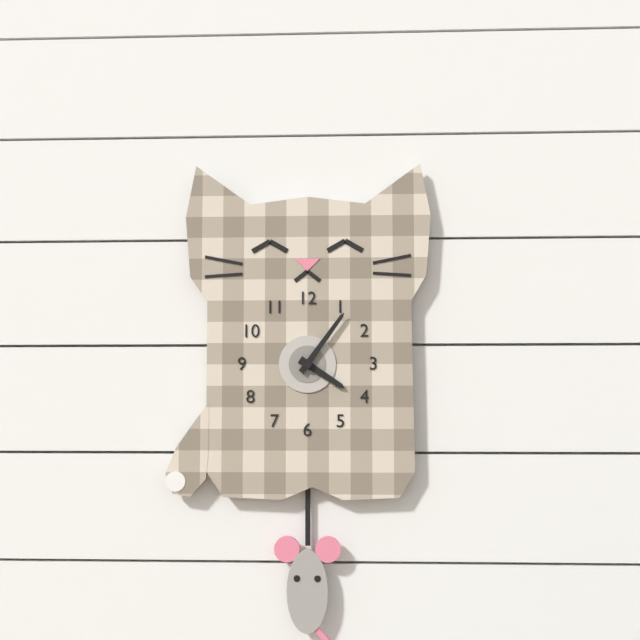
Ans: {"hour": 4, "minute": 6}
